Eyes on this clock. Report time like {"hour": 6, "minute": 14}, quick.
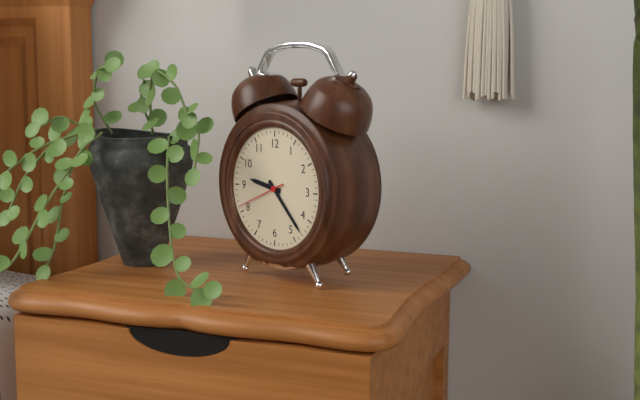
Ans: {"hour": 9, "minute": 23}
